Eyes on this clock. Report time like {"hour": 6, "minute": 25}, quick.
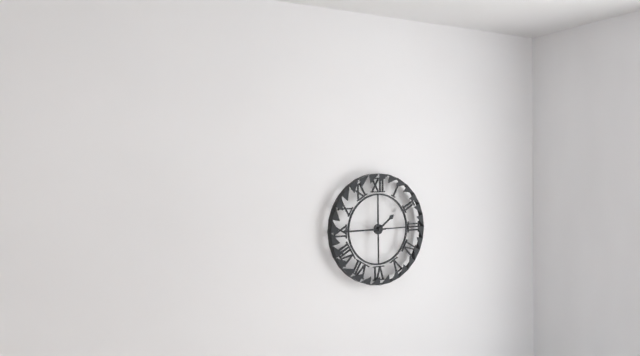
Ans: {"hour": 1, "minute": 45}
